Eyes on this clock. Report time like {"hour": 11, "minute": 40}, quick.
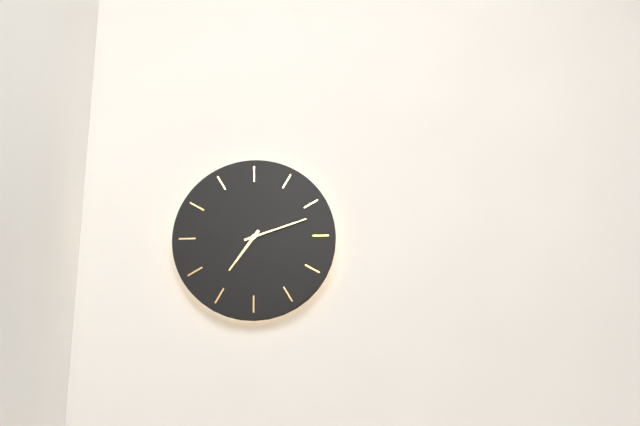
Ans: {"hour": 7, "minute": 12}
